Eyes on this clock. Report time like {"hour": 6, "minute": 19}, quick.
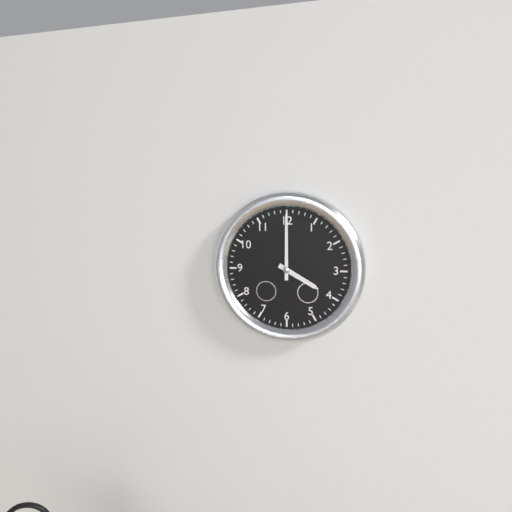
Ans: {"hour": 4, "minute": 0}
